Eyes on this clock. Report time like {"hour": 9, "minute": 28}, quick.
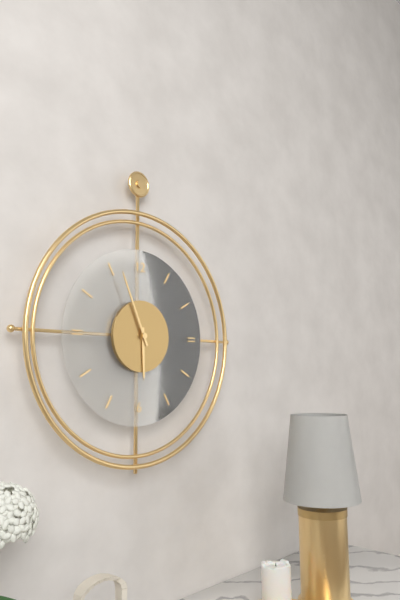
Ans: {"hour": 5, "minute": 56}
